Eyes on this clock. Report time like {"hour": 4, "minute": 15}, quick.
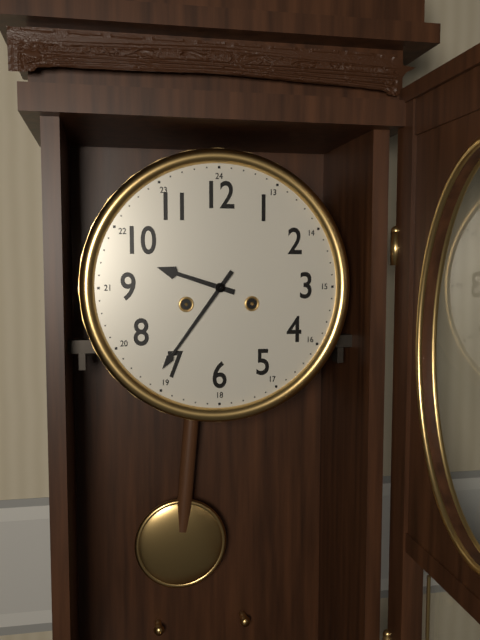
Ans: {"hour": 9, "minute": 36}
